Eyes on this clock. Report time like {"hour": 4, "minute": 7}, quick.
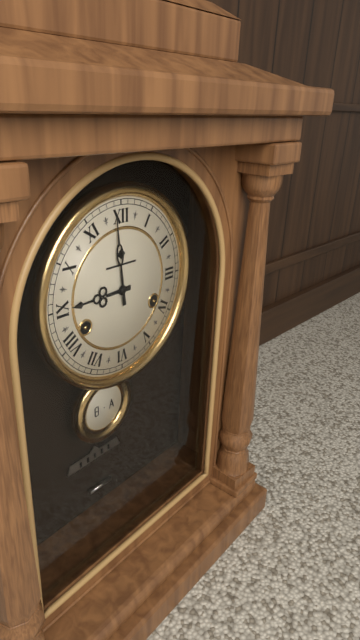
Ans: {"hour": 8, "minute": 59}
